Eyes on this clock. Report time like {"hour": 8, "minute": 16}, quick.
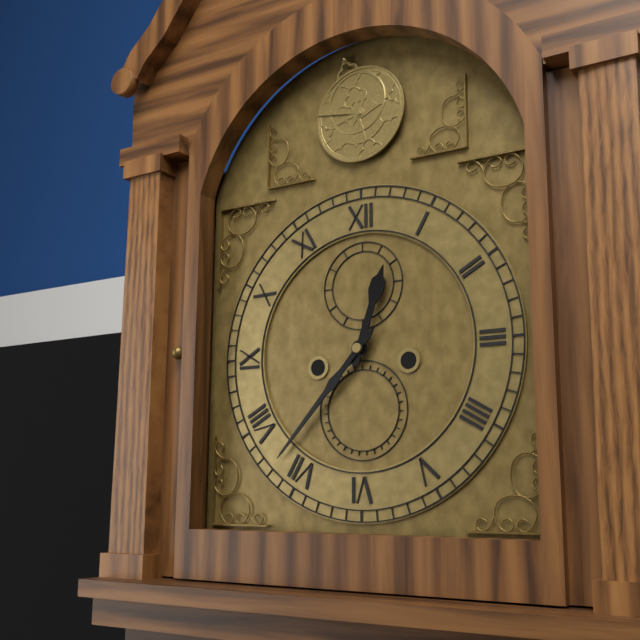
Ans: {"hour": 12, "minute": 37}
